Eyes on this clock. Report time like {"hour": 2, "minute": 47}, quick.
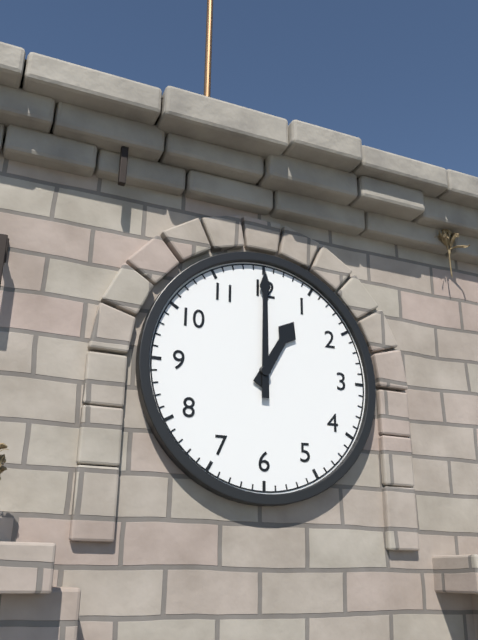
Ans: {"hour": 1, "minute": 0}
